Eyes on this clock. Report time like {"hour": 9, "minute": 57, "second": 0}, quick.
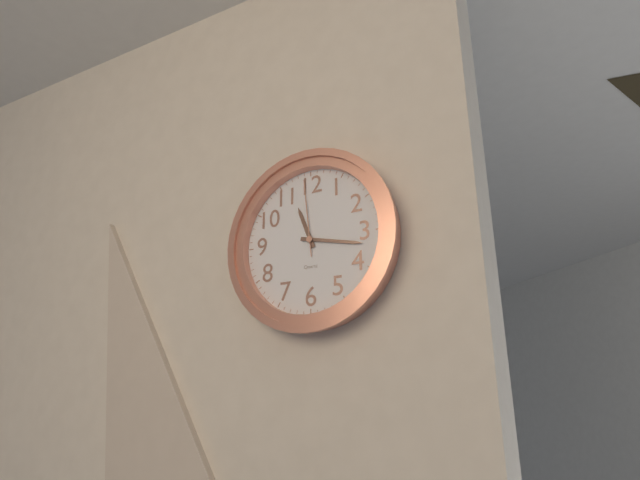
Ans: {"hour": 11, "minute": 17, "second": 59}
